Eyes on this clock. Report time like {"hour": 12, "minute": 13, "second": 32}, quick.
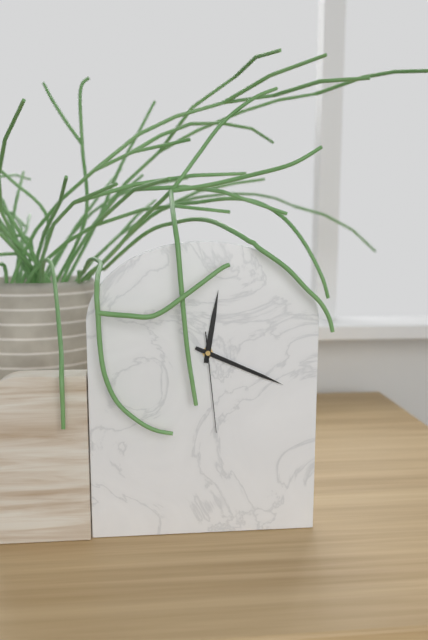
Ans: {"hour": 12, "minute": 19, "second": 29}
